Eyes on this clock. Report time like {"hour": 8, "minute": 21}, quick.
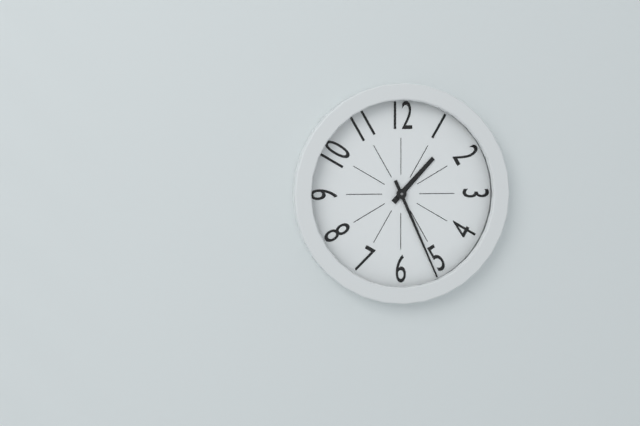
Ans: {"hour": 1, "minute": 26}
